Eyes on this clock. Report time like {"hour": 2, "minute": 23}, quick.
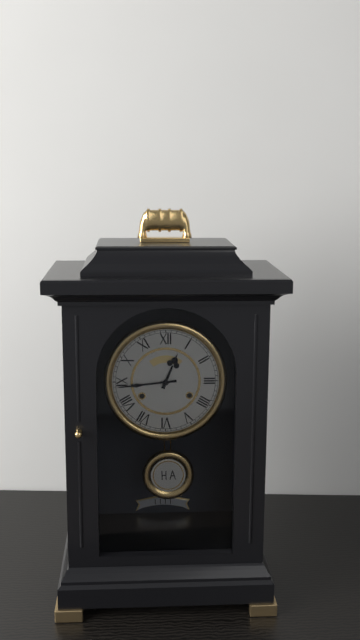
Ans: {"hour": 12, "minute": 44}
